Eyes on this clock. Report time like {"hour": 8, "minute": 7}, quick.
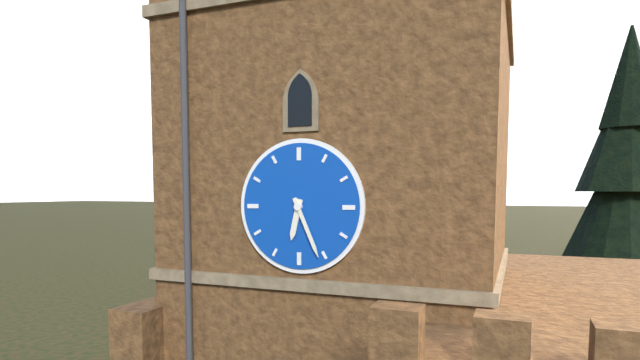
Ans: {"hour": 6, "minute": 26}
